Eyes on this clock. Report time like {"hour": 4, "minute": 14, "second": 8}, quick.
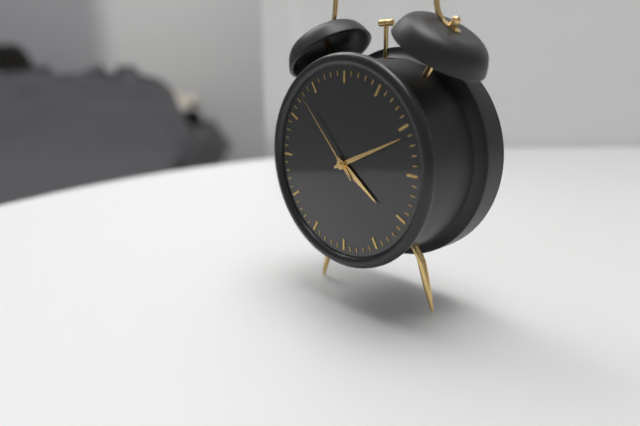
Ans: {"hour": 4, "minute": 11, "second": 53}
